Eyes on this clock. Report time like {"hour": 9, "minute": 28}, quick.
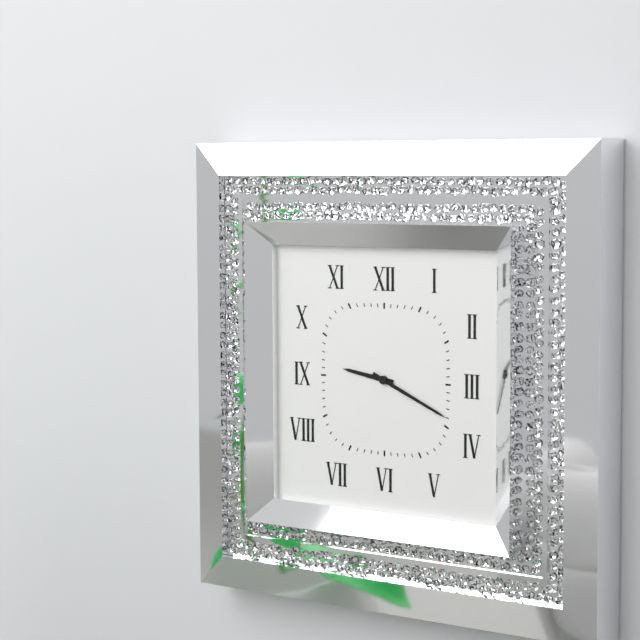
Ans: {"hour": 9, "minute": 19}
